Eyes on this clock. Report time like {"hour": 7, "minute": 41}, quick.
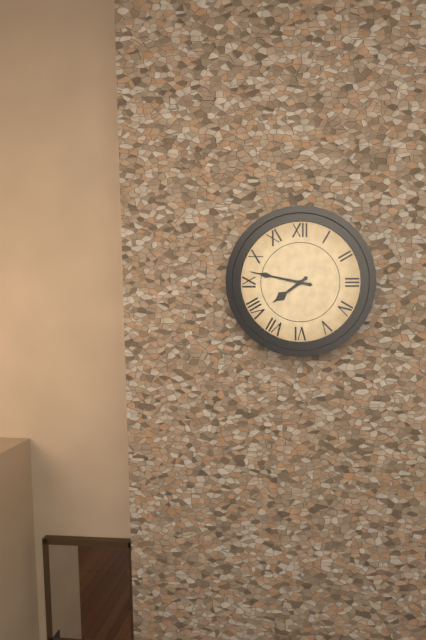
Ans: {"hour": 7, "minute": 47}
